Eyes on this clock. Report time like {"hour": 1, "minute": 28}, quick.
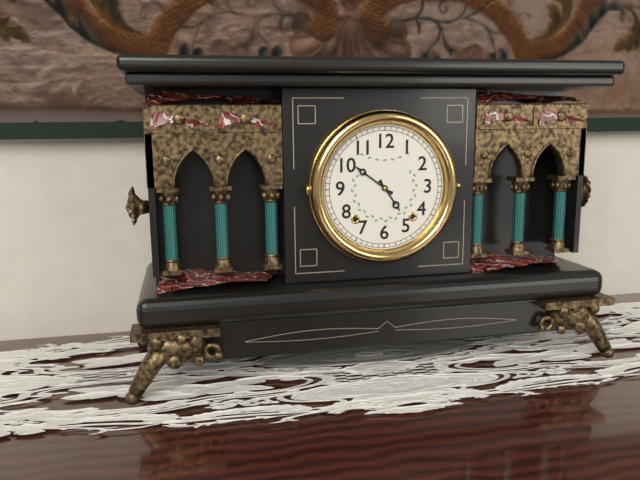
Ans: {"hour": 4, "minute": 51}
